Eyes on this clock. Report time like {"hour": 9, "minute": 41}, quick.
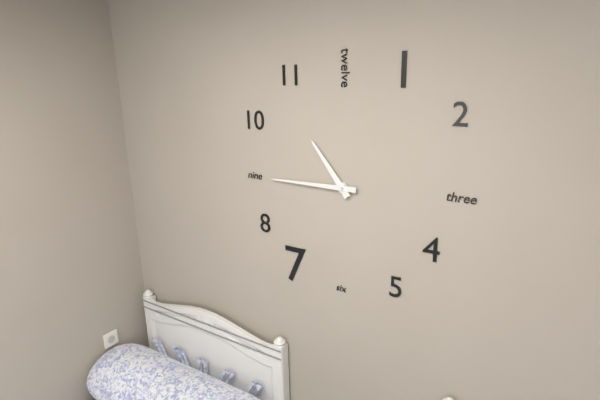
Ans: {"hour": 10, "minute": 45}
